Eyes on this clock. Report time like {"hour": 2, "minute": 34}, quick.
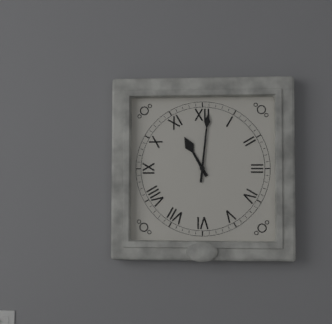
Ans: {"hour": 11, "minute": 1}
